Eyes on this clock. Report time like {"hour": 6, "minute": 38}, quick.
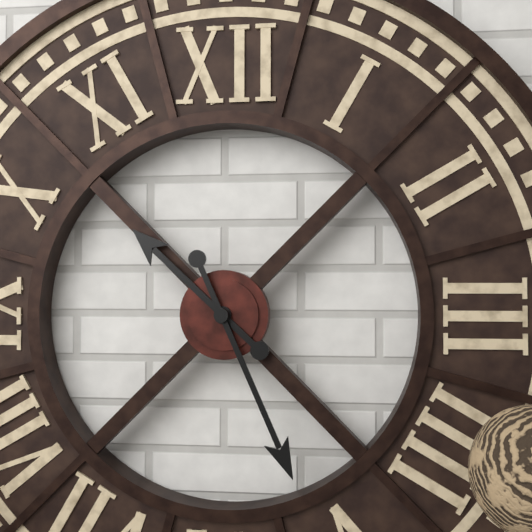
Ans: {"hour": 10, "minute": 26}
